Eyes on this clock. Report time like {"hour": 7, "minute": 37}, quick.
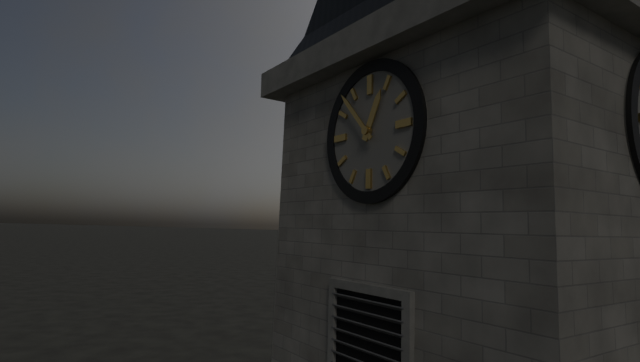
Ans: {"hour": 12, "minute": 53}
